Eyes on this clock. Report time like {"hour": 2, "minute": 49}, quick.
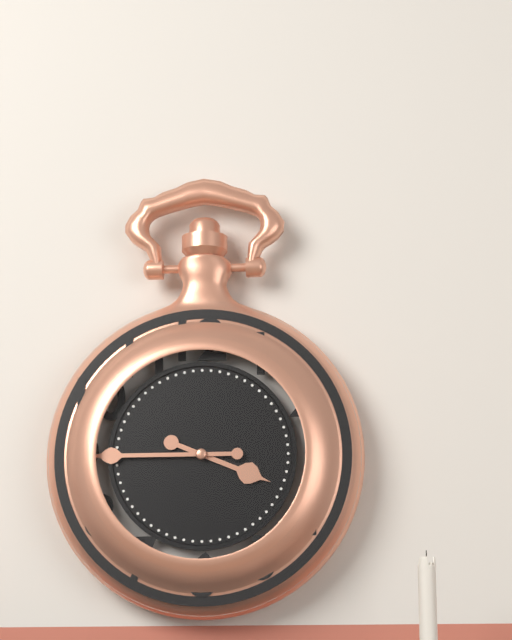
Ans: {"hour": 3, "minute": 45}
